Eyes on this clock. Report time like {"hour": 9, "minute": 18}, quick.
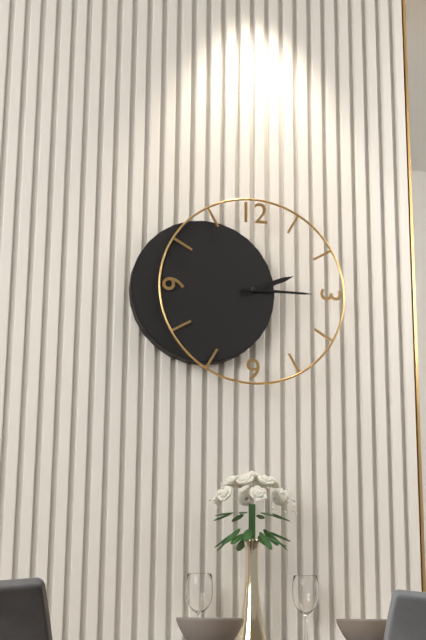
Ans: {"hour": 2, "minute": 15}
